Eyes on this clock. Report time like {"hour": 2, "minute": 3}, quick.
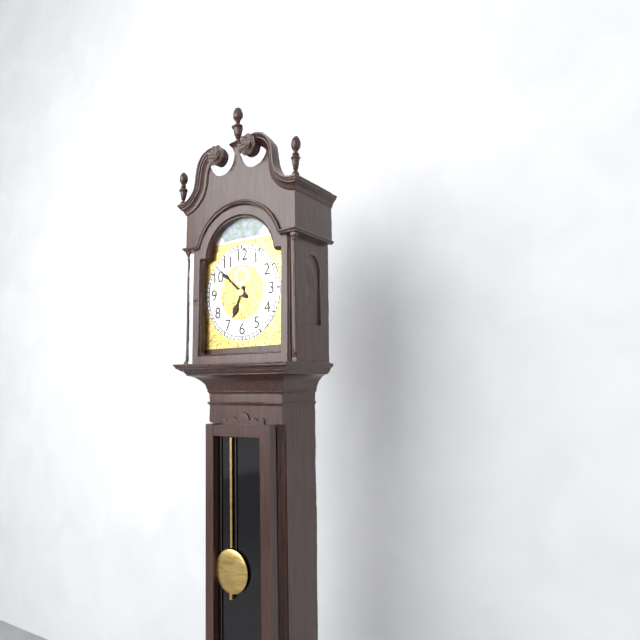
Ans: {"hour": 6, "minute": 52}
